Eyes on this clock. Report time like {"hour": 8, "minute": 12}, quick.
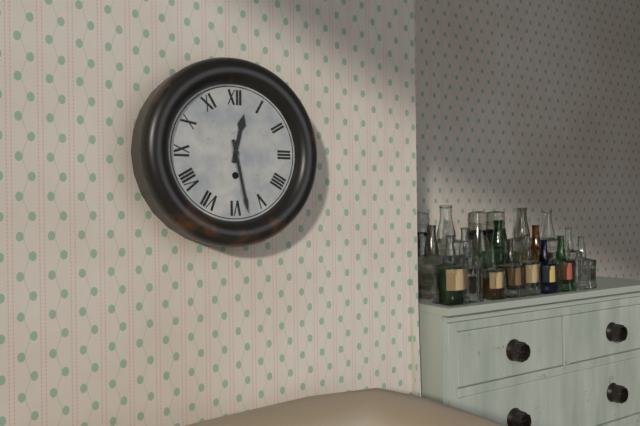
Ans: {"hour": 12, "minute": 28}
